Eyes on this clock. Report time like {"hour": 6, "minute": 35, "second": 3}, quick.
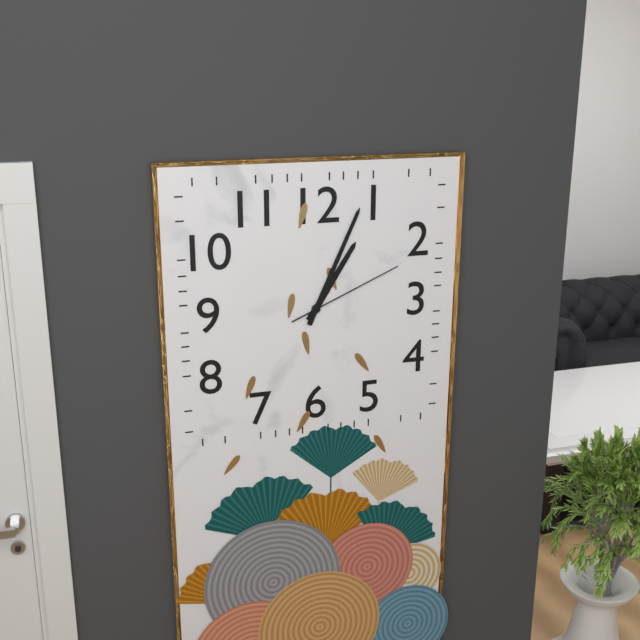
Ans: {"hour": 1, "minute": 4, "second": 11}
